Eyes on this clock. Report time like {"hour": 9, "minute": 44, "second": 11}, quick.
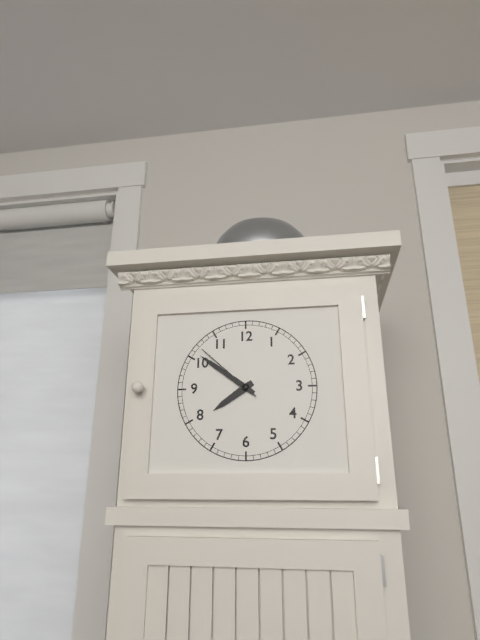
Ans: {"hour": 7, "minute": 51, "second": 52}
